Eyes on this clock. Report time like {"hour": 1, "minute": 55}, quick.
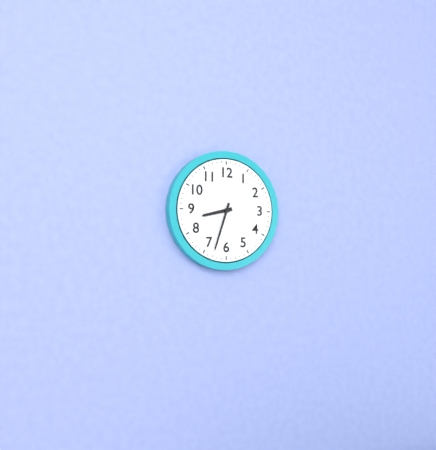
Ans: {"hour": 8, "minute": 33}
